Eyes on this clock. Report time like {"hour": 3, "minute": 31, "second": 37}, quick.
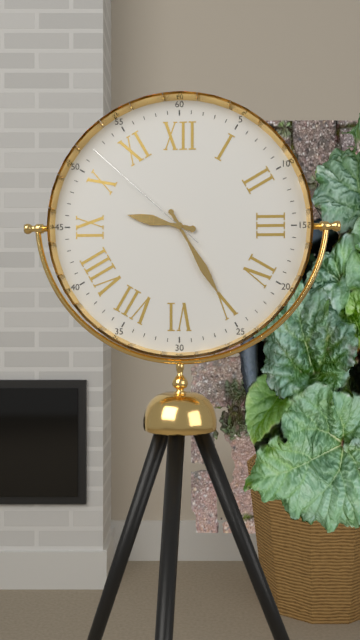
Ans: {"hour": 9, "minute": 25, "second": 52}
